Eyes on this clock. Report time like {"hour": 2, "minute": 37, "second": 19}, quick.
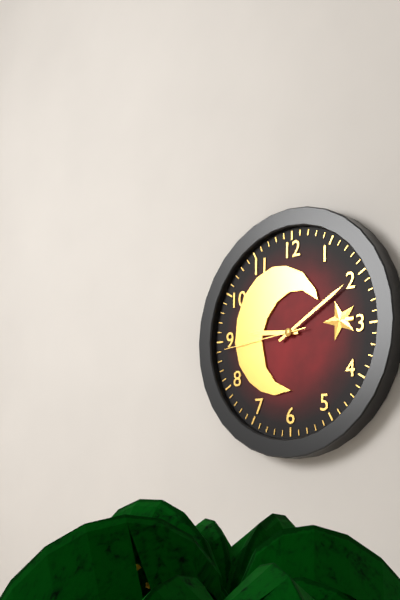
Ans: {"hour": 9, "minute": 10, "second": 44}
